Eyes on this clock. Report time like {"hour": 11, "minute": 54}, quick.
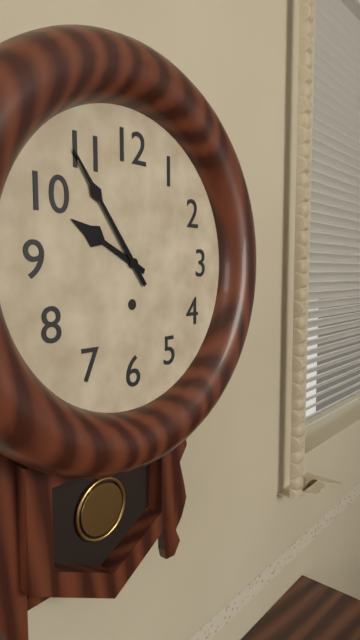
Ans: {"hour": 9, "minute": 54}
